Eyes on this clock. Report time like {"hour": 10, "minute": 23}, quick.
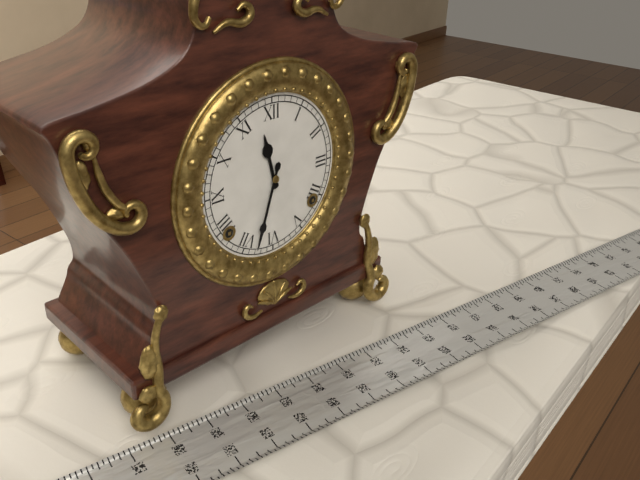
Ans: {"hour": 11, "minute": 33}
